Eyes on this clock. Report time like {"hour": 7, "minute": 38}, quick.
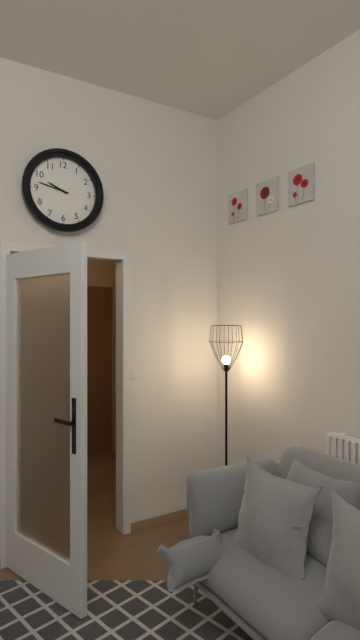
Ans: {"hour": 9, "minute": 47}
